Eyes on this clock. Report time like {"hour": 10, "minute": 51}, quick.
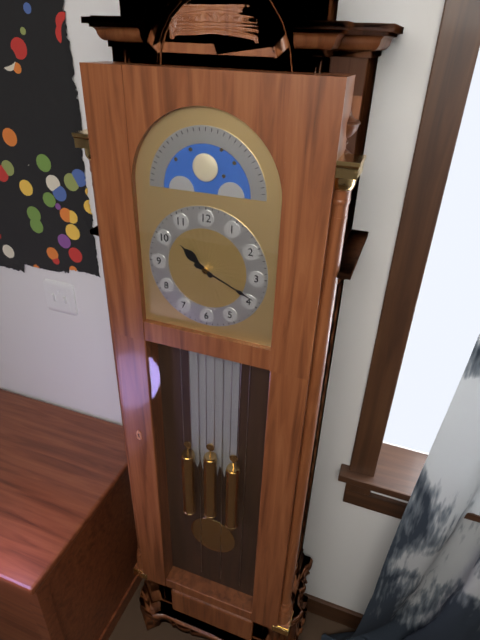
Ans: {"hour": 10, "minute": 19}
